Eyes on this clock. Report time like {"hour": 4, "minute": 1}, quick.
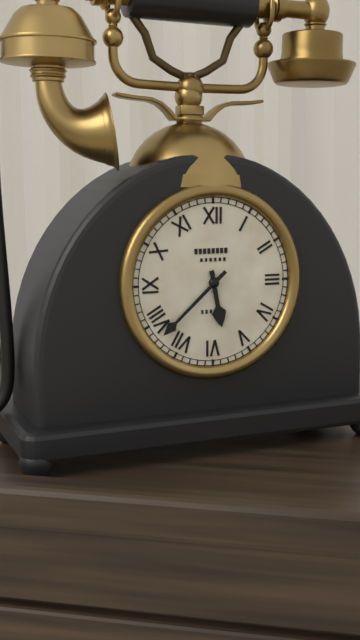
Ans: {"hour": 5, "minute": 38}
